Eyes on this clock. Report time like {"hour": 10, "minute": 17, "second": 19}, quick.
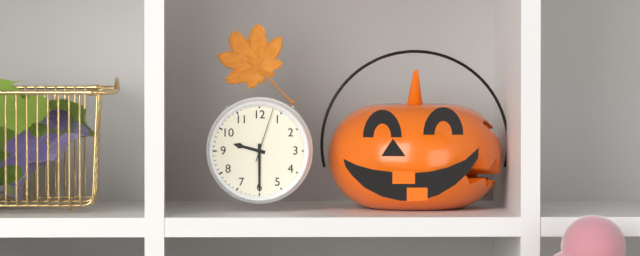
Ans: {"hour": 9, "minute": 30, "second": 3}
